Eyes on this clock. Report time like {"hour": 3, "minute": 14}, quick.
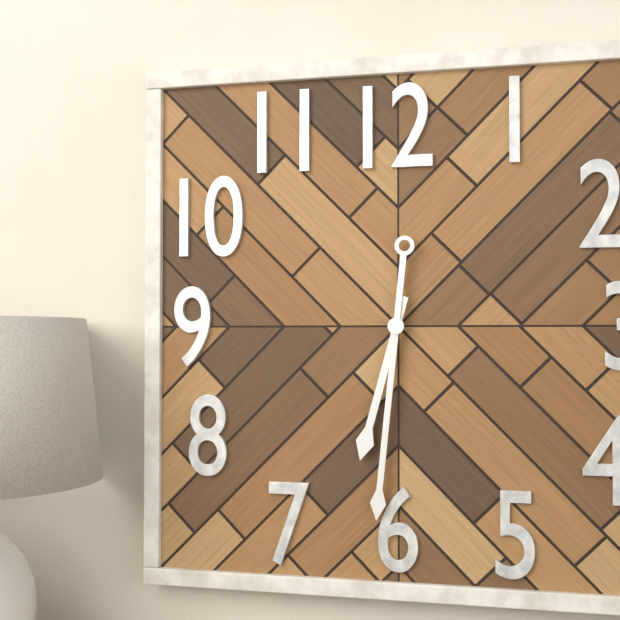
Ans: {"hour": 6, "minute": 31}
